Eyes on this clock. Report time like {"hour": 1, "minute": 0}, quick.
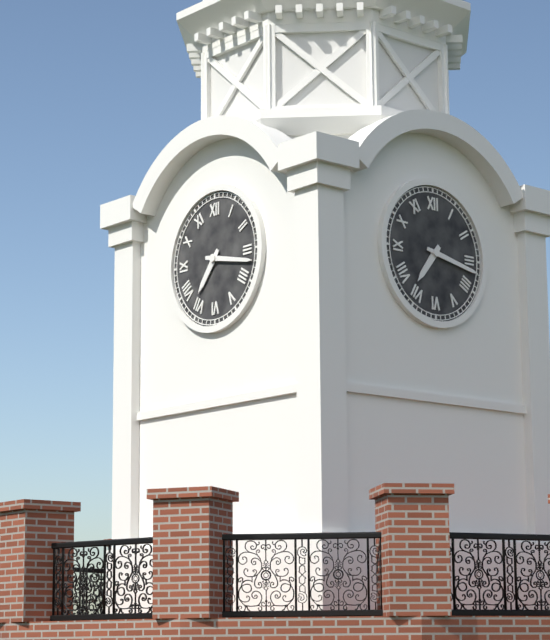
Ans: {"hour": 7, "minute": 17}
